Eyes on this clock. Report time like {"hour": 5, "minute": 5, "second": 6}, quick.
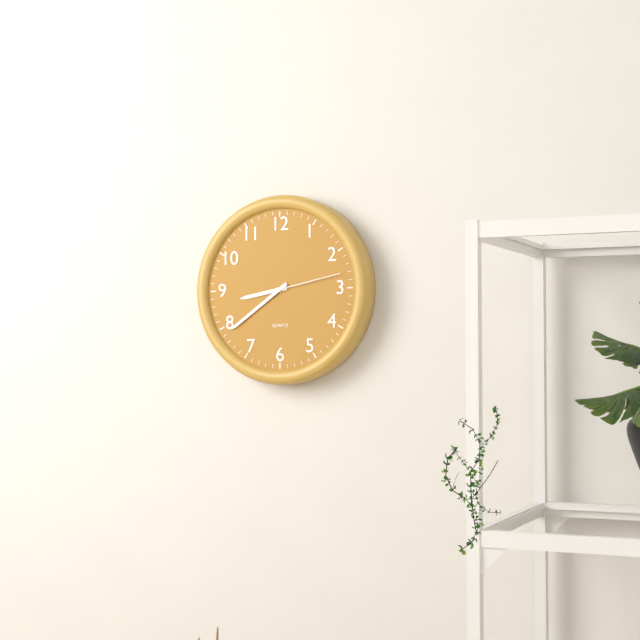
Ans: {"hour": 8, "minute": 39, "second": 13}
